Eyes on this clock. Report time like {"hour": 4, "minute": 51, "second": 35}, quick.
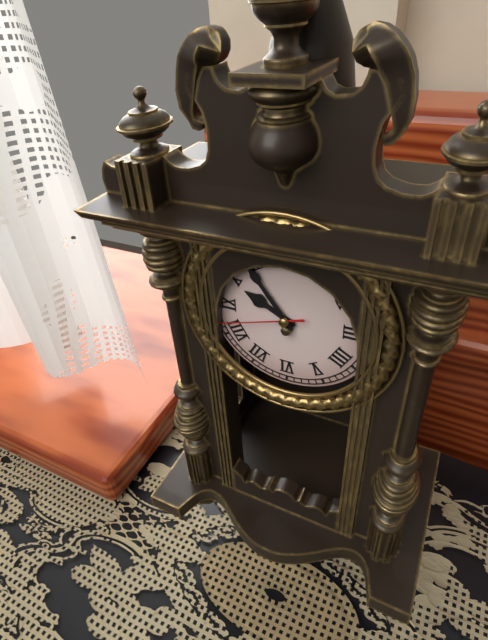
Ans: {"hour": 9, "minute": 54, "second": 42}
